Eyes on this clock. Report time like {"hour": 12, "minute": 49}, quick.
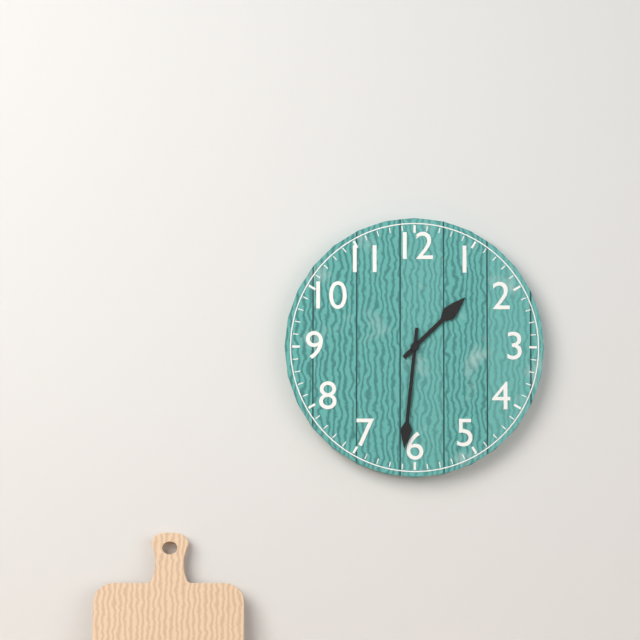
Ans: {"hour": 1, "minute": 31}
